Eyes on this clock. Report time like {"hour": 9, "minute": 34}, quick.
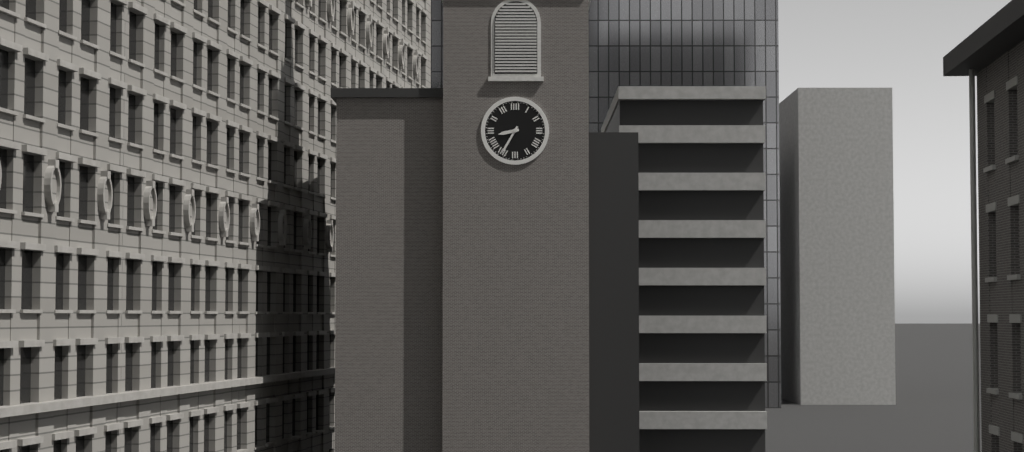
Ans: {"hour": 8, "minute": 35}
